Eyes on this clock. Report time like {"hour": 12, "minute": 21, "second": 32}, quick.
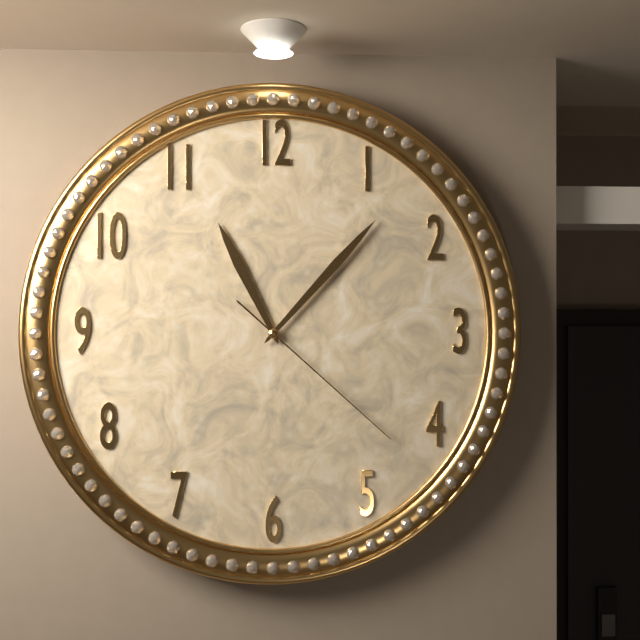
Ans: {"hour": 11, "minute": 7, "second": 22}
